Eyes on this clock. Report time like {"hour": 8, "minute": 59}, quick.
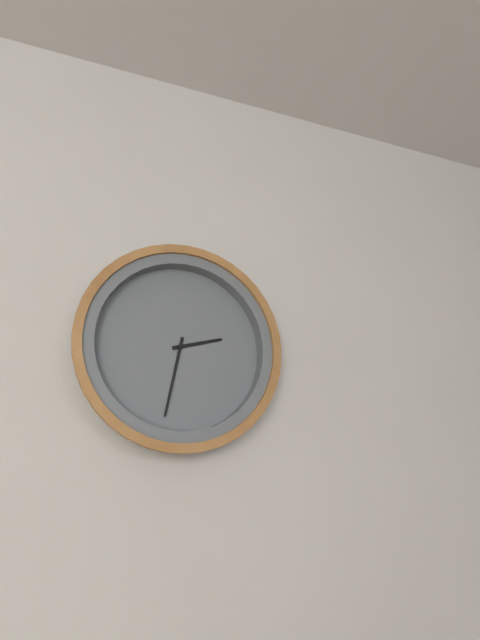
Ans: {"hour": 2, "minute": 32}
